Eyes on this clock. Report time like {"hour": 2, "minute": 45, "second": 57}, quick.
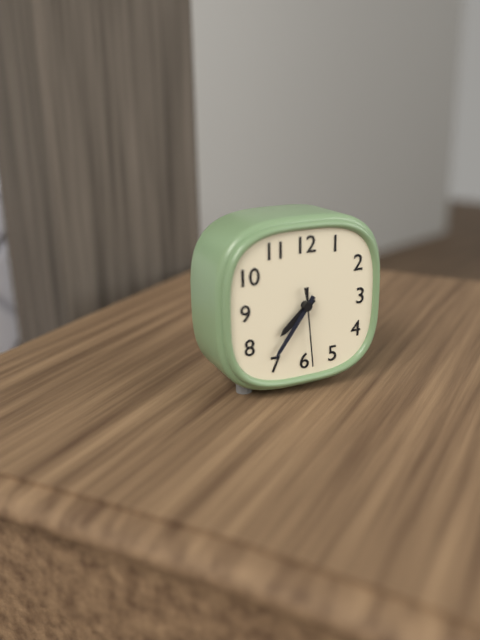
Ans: {"hour": 7, "minute": 36, "second": 29}
